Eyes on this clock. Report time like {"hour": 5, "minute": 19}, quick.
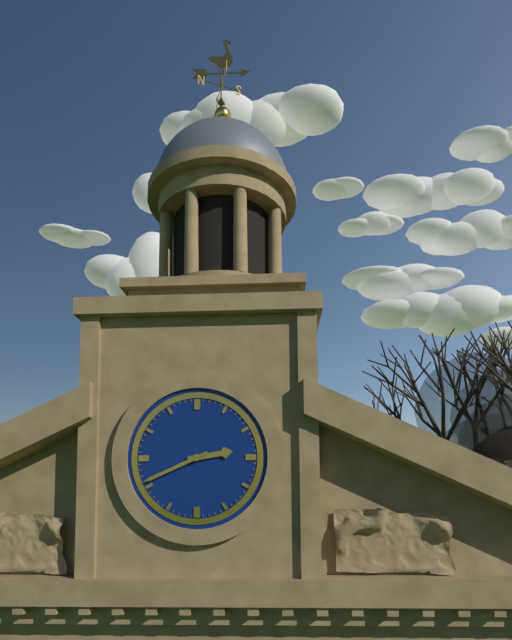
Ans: {"hour": 2, "minute": 41}
